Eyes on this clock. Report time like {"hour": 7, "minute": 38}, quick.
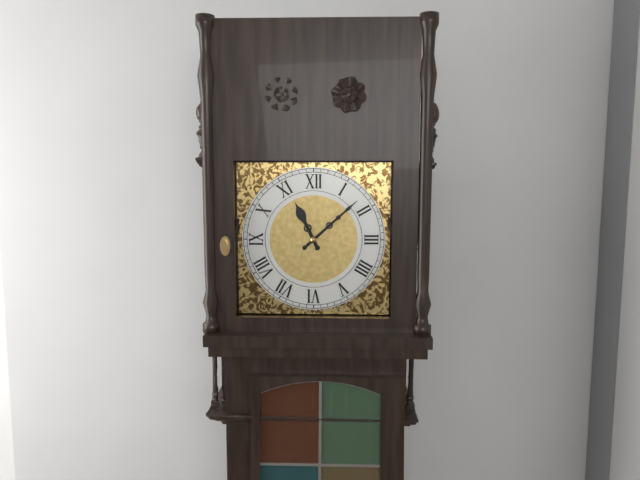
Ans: {"hour": 11, "minute": 8}
